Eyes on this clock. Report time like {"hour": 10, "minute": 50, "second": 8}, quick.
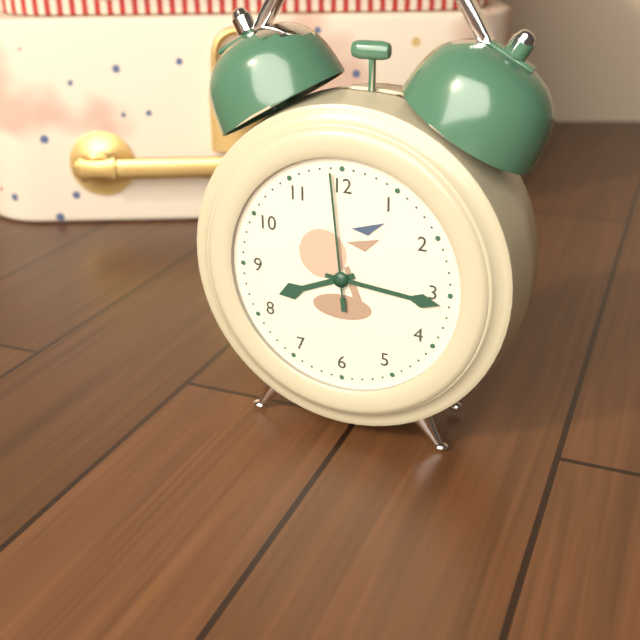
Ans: {"hour": 8, "minute": 16, "second": 59}
